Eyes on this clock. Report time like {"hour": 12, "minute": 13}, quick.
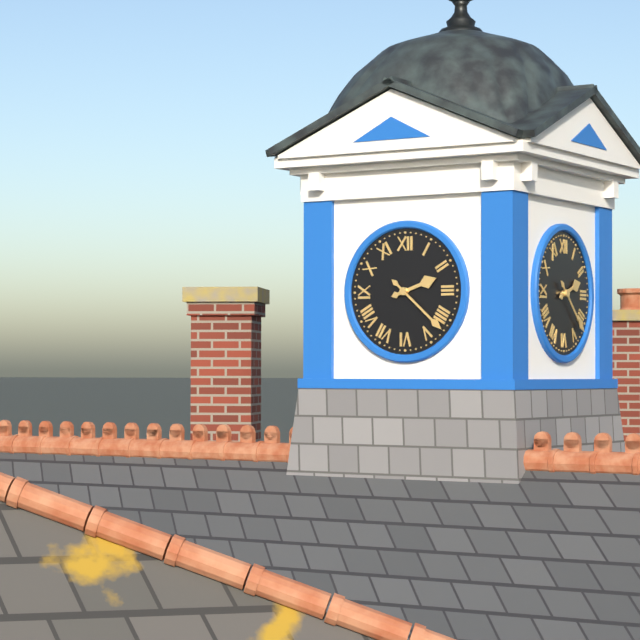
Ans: {"hour": 2, "minute": 22}
